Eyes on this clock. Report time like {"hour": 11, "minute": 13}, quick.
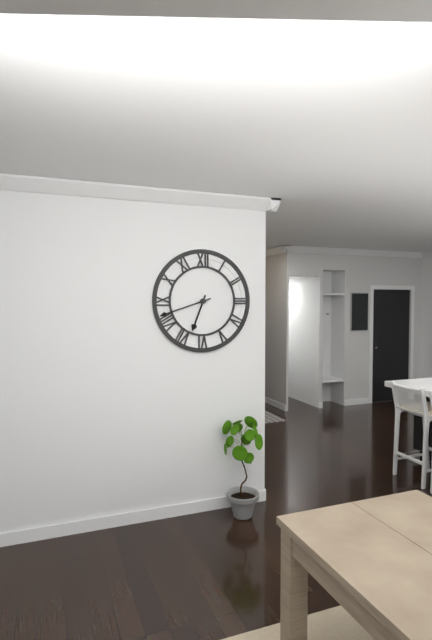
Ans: {"hour": 6, "minute": 42}
